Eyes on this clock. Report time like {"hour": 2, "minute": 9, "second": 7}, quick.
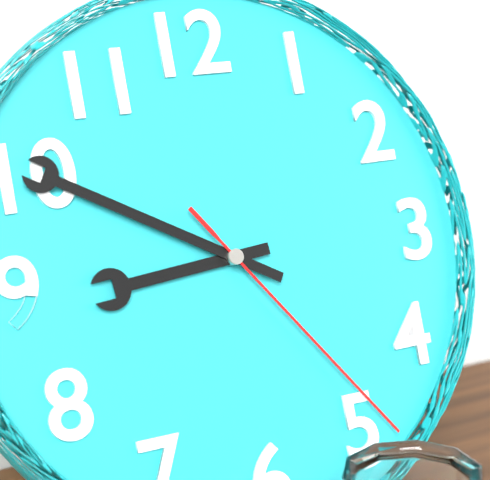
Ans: {"hour": 8, "minute": 50, "second": 24}
